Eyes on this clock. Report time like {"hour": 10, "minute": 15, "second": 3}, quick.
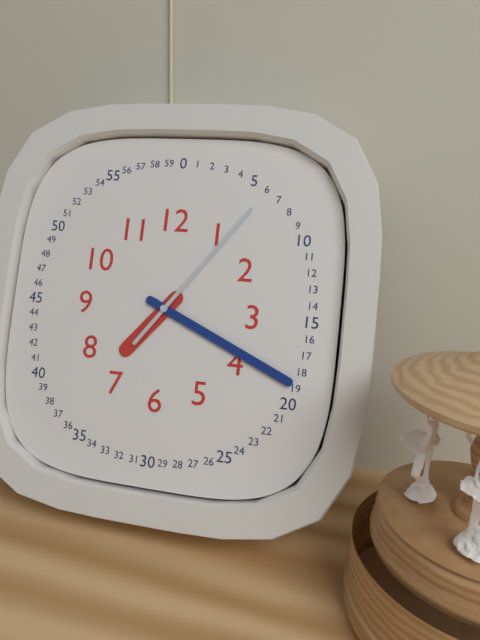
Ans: {"hour": 7, "minute": 19, "second": 6}
